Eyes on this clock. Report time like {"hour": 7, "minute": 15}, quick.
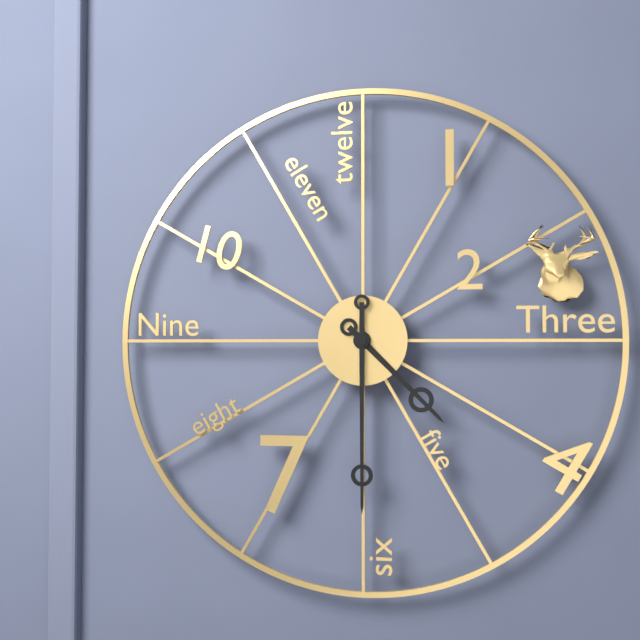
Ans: {"hour": 4, "minute": 30}
